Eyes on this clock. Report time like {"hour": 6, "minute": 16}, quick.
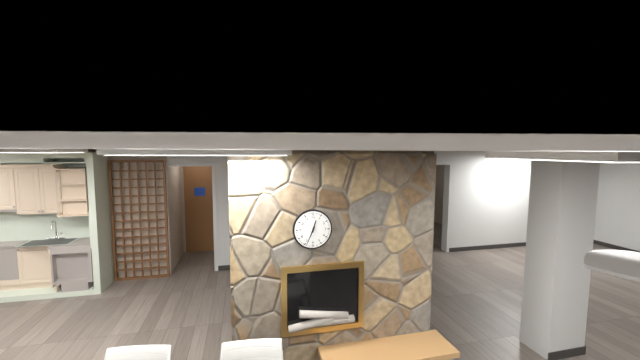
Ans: {"hour": 12, "minute": 34}
